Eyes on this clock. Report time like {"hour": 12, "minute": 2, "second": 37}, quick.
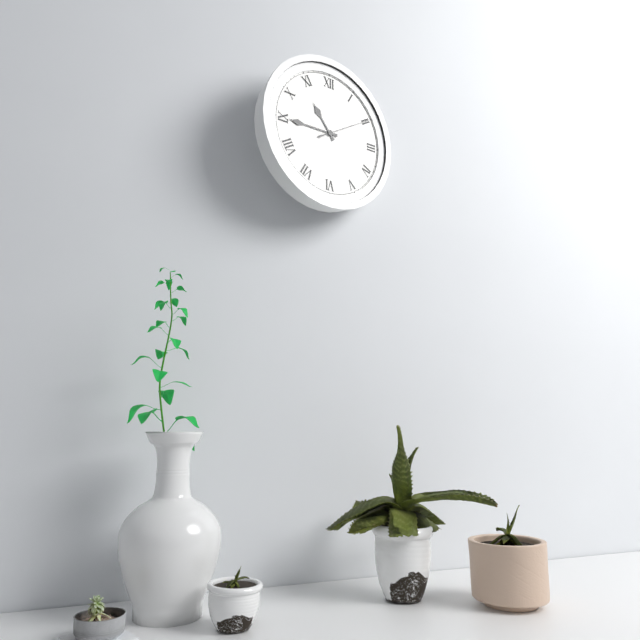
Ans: {"hour": 10, "minute": 45, "second": 10}
